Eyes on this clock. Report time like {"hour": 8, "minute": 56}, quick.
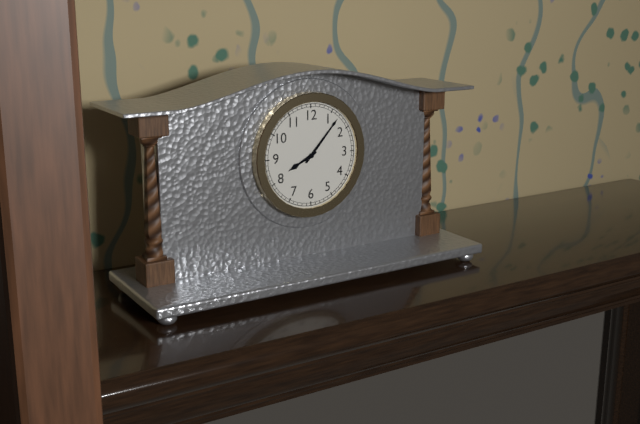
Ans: {"hour": 8, "minute": 7}
